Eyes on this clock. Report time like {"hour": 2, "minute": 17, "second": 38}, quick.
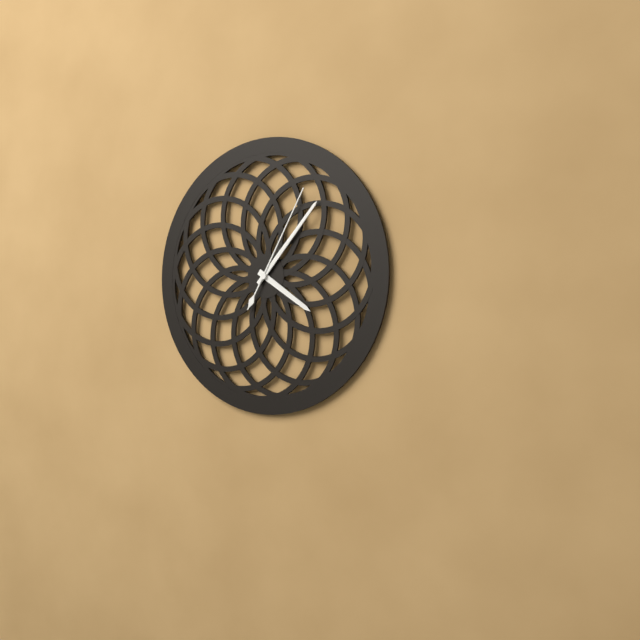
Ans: {"hour": 4, "minute": 7, "second": 5}
